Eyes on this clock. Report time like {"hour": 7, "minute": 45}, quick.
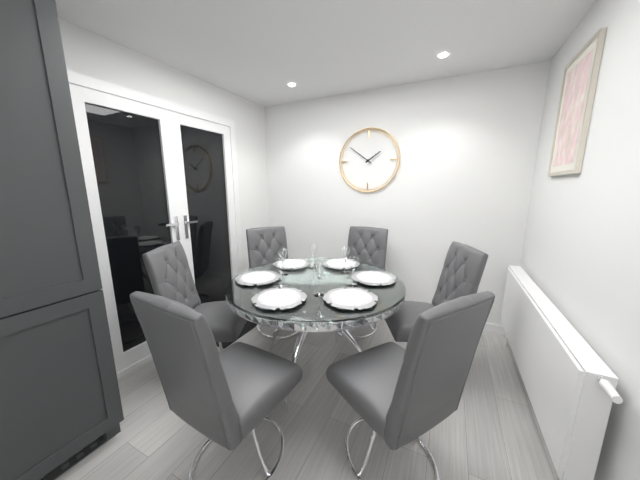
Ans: {"hour": 1, "minute": 51}
